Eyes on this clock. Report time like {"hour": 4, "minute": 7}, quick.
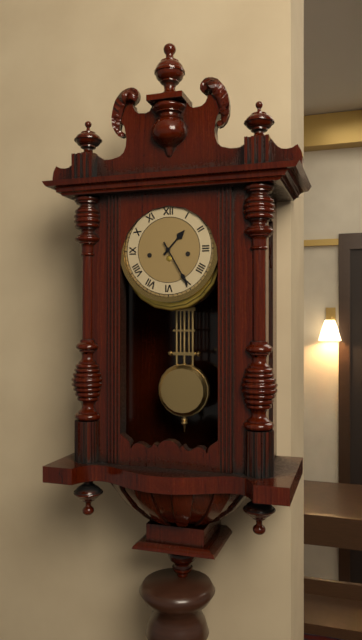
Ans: {"hour": 1, "minute": 25}
